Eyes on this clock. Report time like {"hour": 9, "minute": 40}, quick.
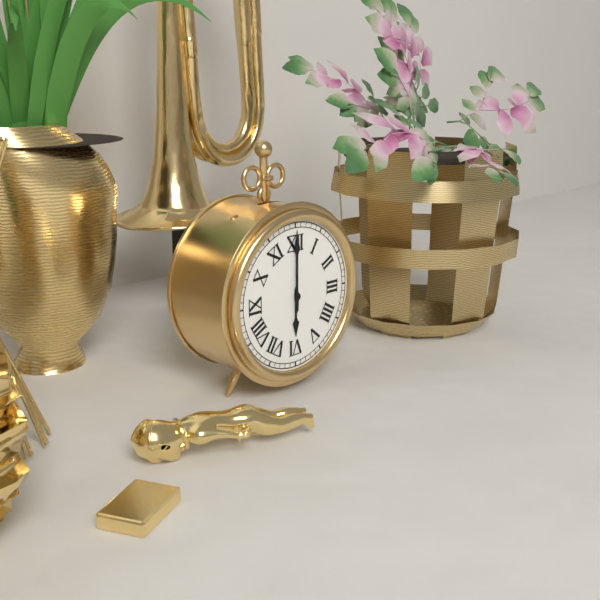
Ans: {"hour": 6, "minute": 0}
